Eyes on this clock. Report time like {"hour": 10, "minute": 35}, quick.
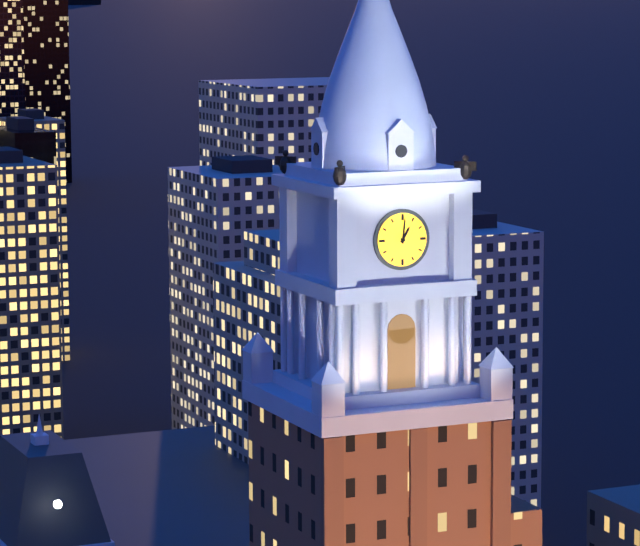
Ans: {"hour": 1, "minute": 1}
